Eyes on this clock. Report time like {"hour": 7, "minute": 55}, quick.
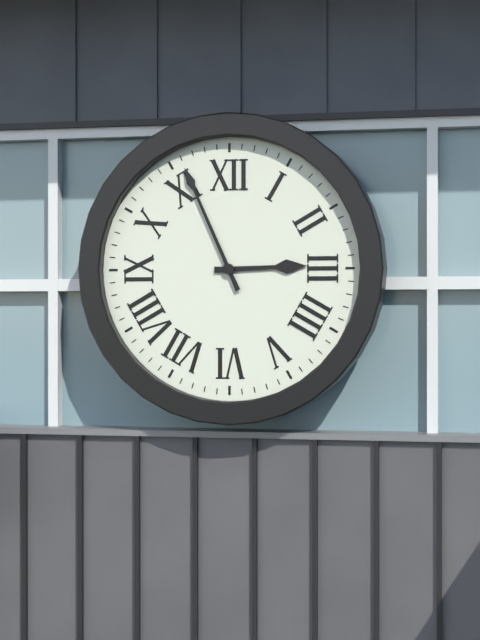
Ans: {"hour": 2, "minute": 56}
